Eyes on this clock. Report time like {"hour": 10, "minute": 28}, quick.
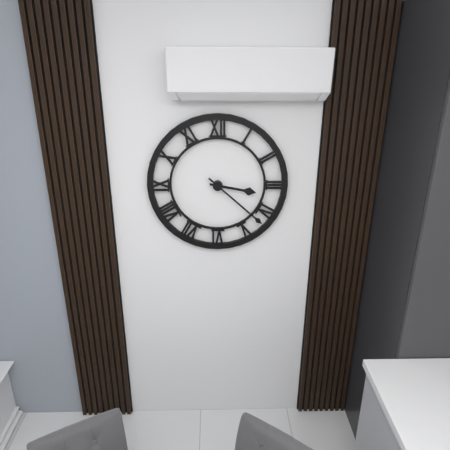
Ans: {"hour": 3, "minute": 22}
